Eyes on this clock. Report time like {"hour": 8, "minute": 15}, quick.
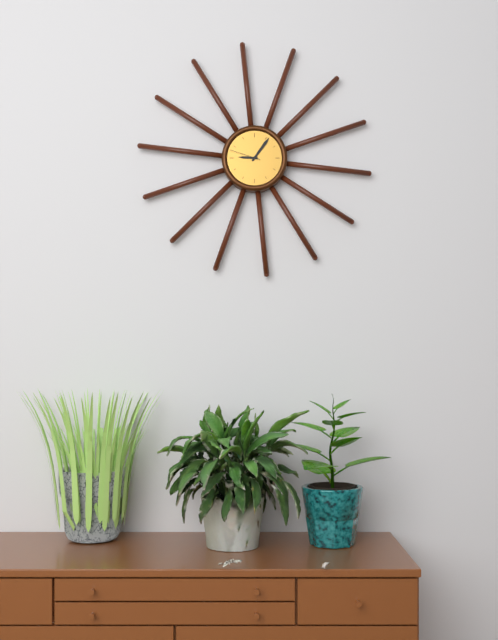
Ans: {"hour": 9, "minute": 6}
